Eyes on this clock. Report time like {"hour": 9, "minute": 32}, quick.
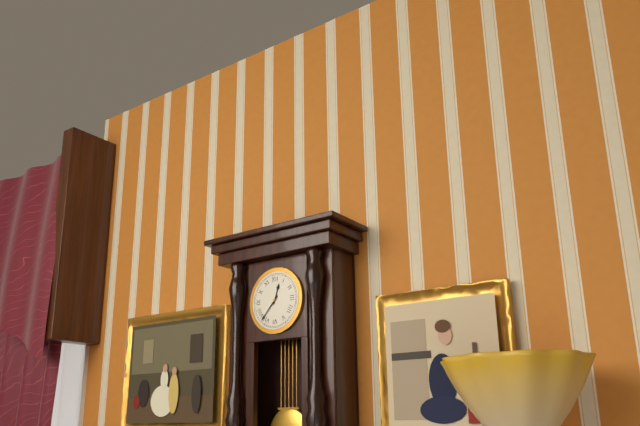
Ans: {"hour": 12, "minute": 37}
